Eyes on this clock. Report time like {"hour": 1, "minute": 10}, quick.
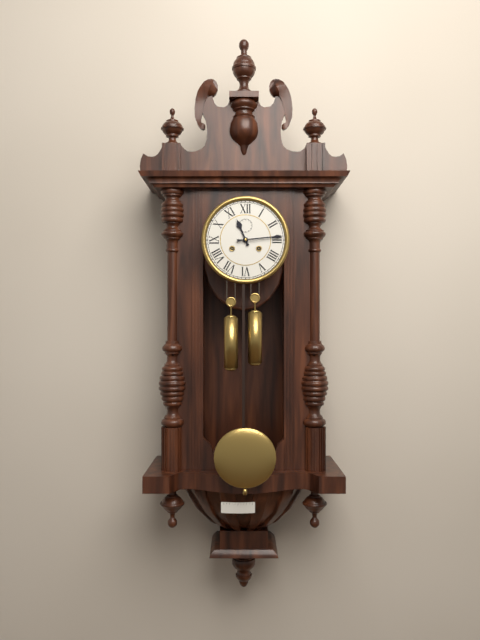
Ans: {"hour": 11, "minute": 14}
